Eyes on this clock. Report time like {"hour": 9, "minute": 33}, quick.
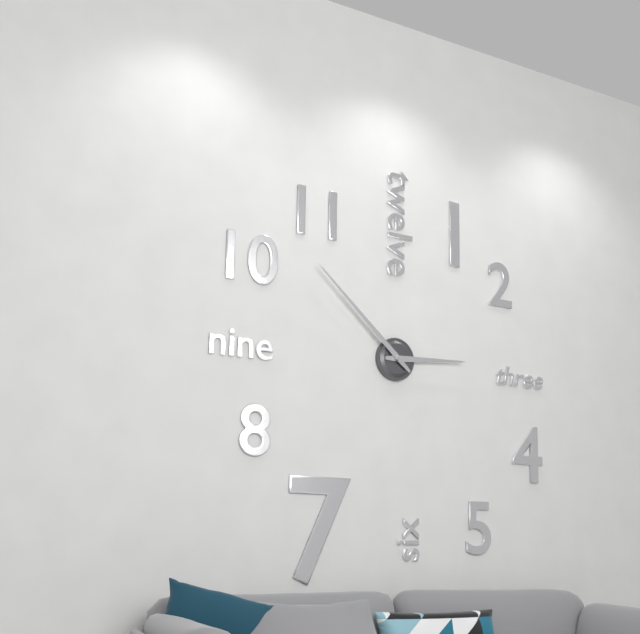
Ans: {"hour": 2, "minute": 52}
